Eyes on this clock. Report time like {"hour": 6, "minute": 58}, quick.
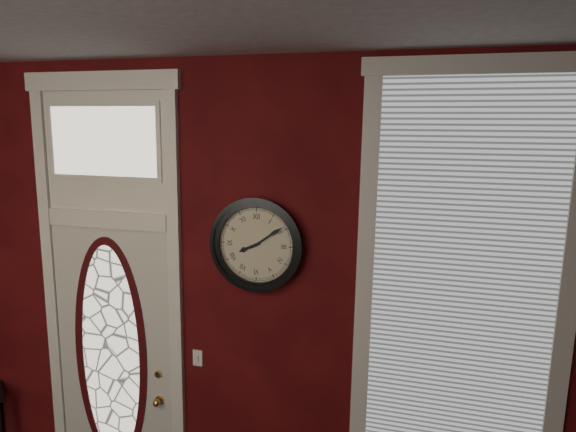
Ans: {"hour": 8, "minute": 9}
